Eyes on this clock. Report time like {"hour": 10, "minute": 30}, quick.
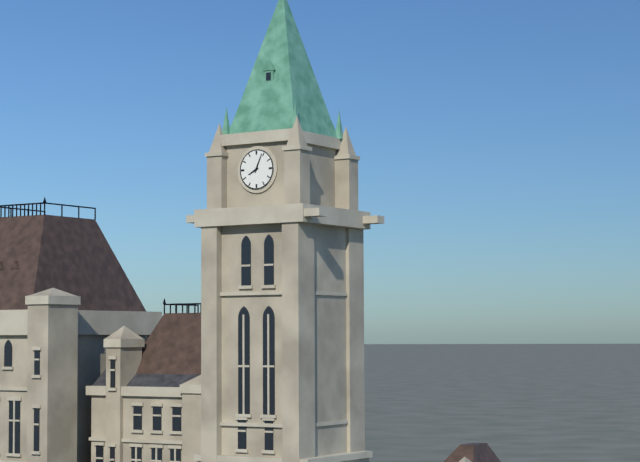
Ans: {"hour": 8, "minute": 4}
